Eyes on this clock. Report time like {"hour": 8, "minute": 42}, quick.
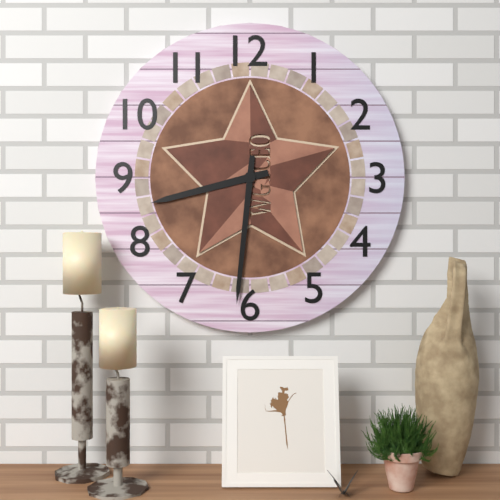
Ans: {"hour": 8, "minute": 31}
